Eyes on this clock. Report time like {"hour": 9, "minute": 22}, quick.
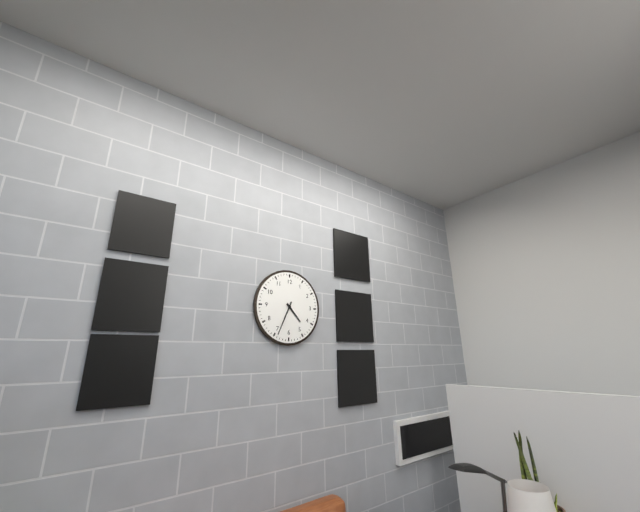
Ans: {"hour": 4, "minute": 34}
